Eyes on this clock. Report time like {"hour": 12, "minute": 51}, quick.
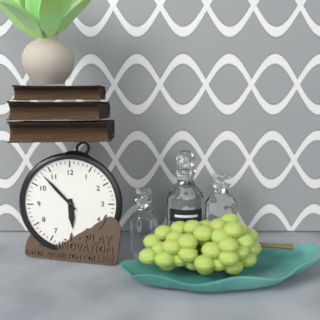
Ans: {"hour": 5, "minute": 53}
